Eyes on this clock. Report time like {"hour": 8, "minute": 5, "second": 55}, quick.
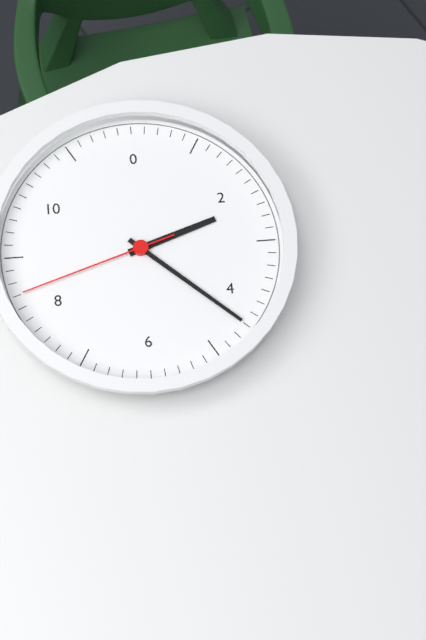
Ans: {"hour": 2, "minute": 22, "second": 42}
